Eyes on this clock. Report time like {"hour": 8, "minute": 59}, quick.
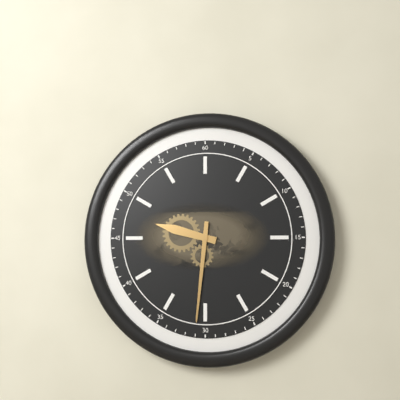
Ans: {"hour": 9, "minute": 31}
